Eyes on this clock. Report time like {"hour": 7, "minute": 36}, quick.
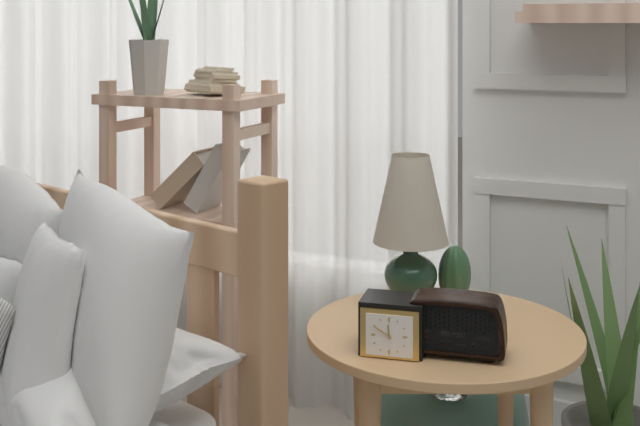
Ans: {"hour": 11, "minute": 50}
